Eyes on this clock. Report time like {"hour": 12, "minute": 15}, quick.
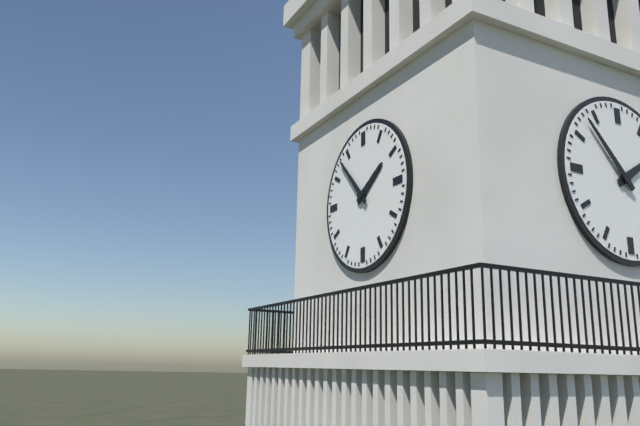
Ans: {"hour": 1, "minute": 53}
